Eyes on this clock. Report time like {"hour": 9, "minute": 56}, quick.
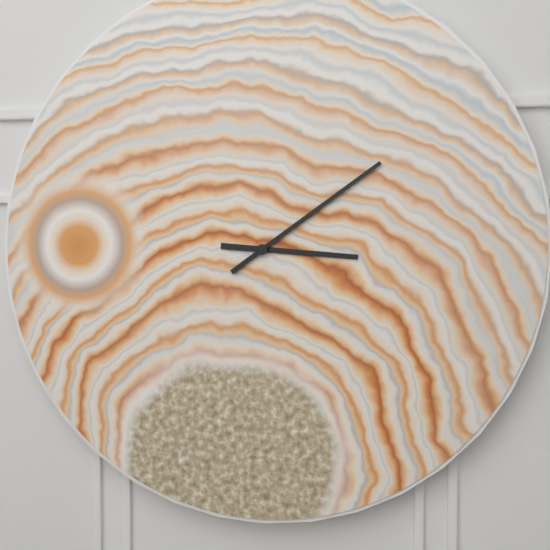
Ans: {"hour": 3, "minute": 9}
